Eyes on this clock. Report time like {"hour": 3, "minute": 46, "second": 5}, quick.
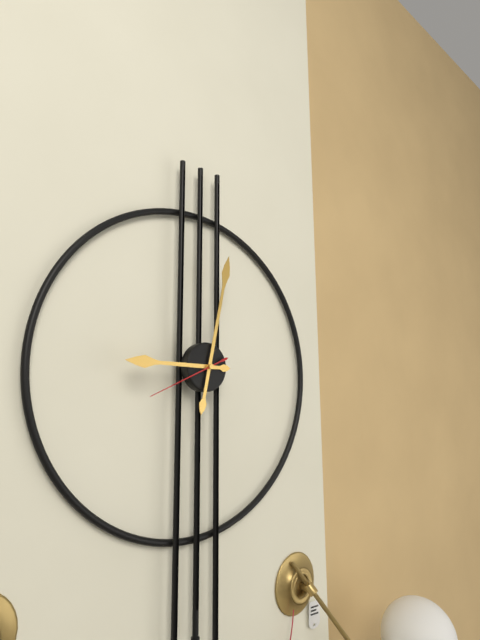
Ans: {"hour": 9, "minute": 2, "second": 41}
